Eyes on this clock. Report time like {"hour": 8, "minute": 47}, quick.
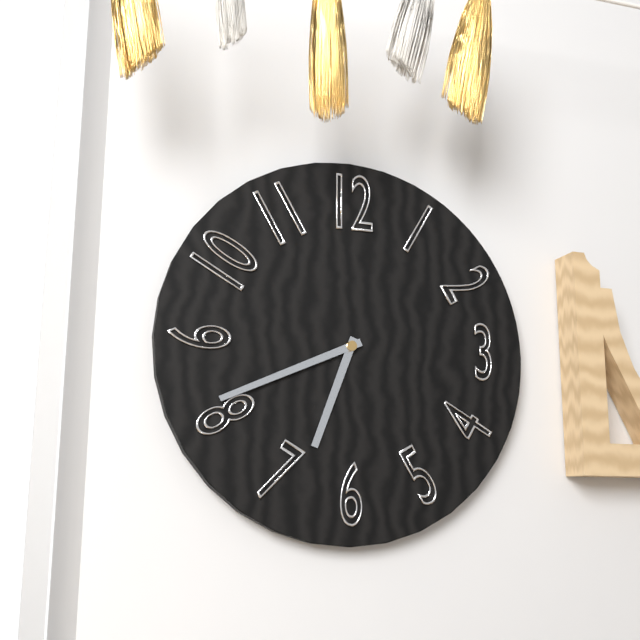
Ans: {"hour": 6, "minute": 41}
